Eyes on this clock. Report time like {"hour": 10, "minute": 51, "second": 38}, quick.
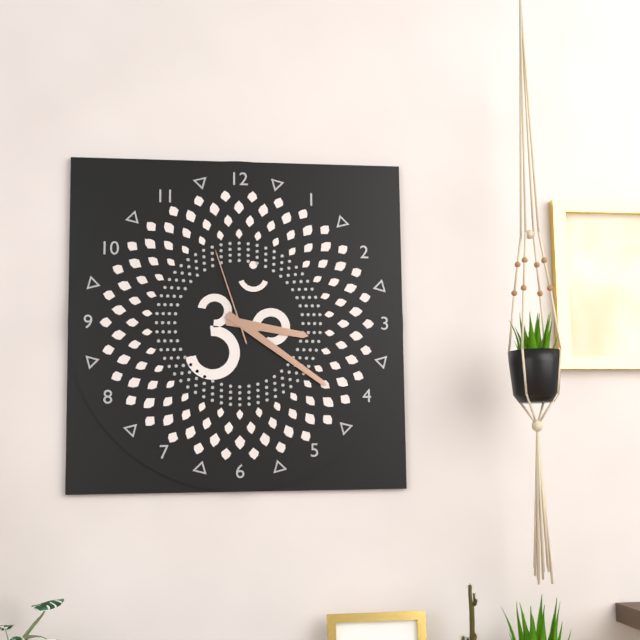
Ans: {"hour": 3, "minute": 21, "second": 57}
